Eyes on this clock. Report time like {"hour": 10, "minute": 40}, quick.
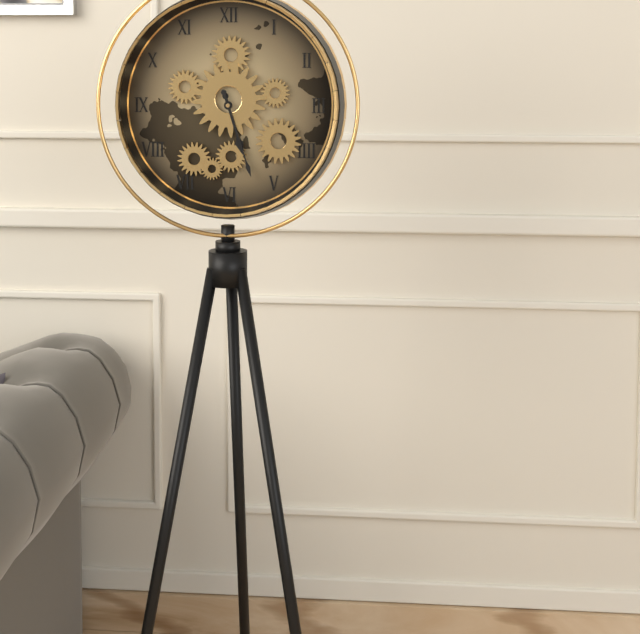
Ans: {"hour": 5, "minute": 27}
